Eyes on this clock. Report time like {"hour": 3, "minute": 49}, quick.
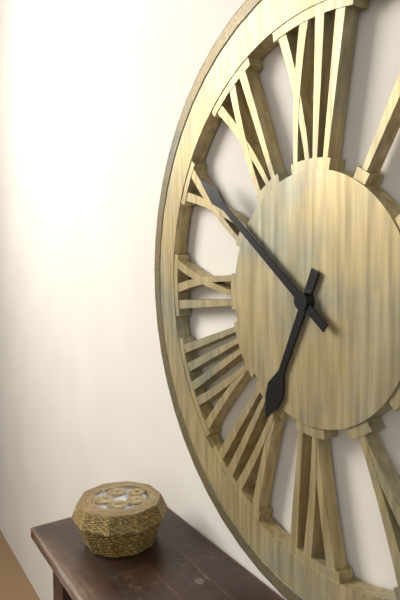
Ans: {"hour": 6, "minute": 51}
